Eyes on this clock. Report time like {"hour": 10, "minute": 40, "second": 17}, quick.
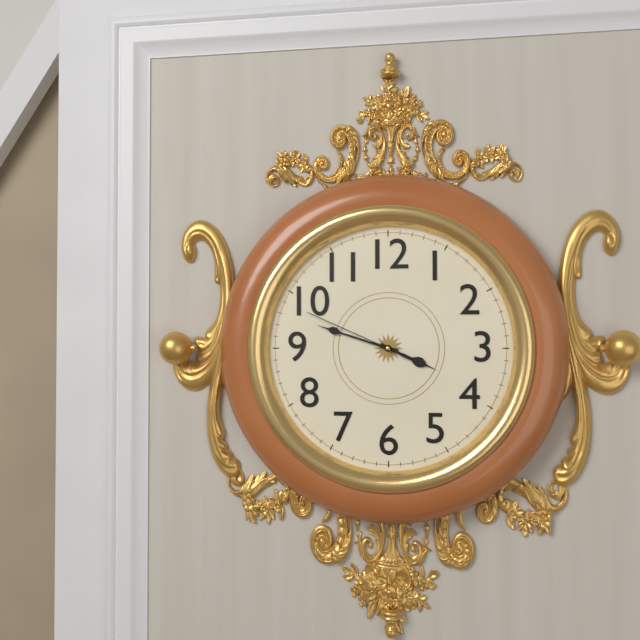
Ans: {"hour": 3, "minute": 48, "second": 49}
